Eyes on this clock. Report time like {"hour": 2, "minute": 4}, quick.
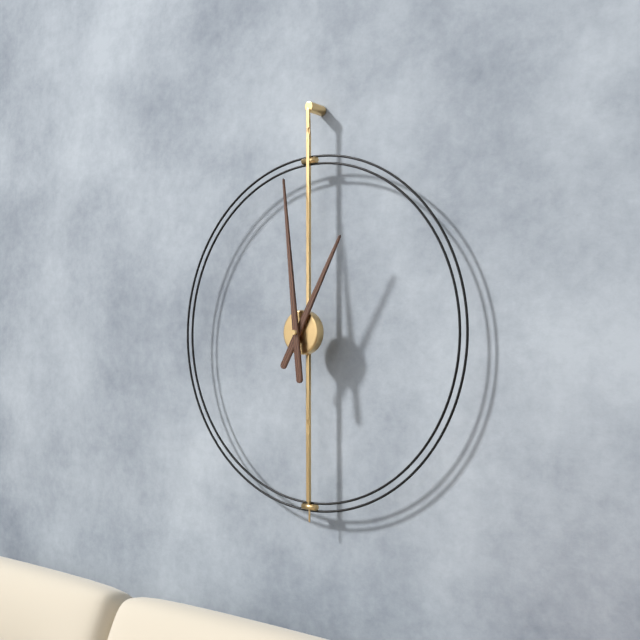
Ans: {"hour": 12, "minute": 59}
